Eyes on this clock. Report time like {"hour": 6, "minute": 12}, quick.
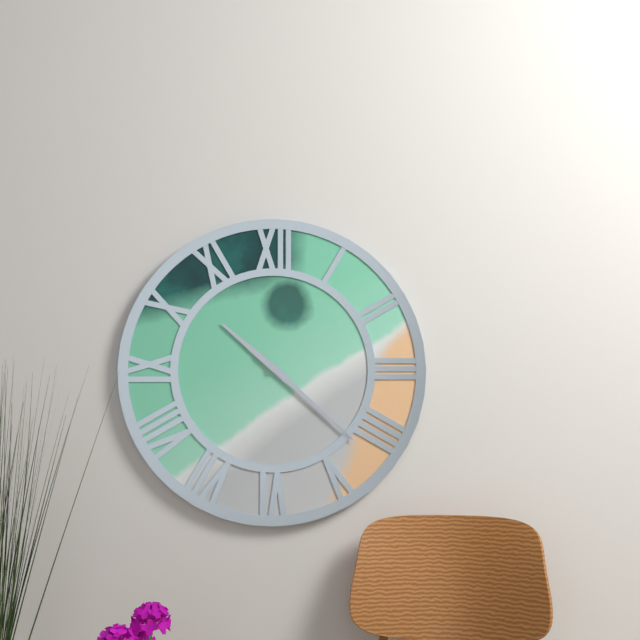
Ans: {"hour": 10, "minute": 22}
